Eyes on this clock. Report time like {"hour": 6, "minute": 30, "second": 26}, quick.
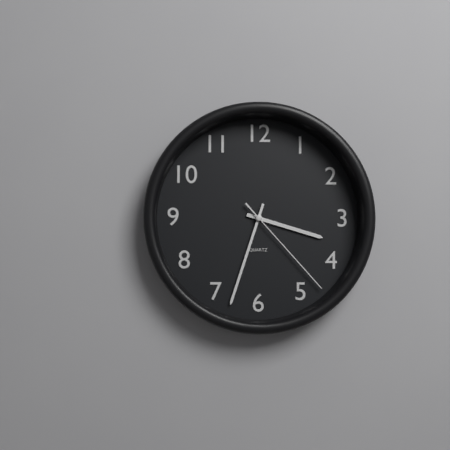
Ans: {"hour": 3, "minute": 33, "second": 23}
